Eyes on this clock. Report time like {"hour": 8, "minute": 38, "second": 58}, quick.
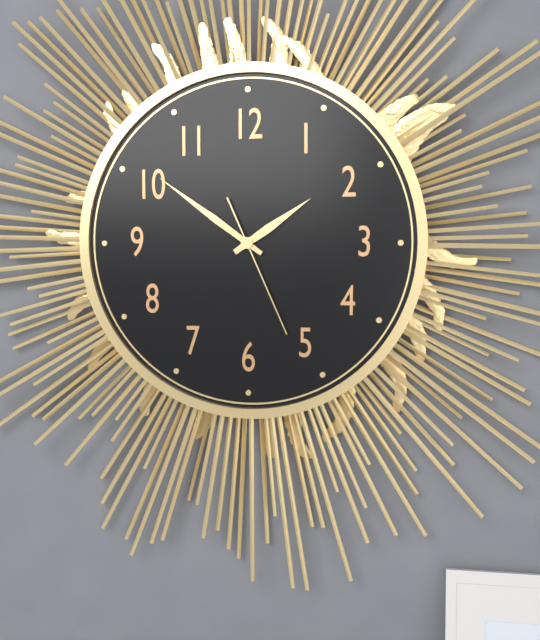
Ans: {"hour": 1, "minute": 51, "second": 26}
